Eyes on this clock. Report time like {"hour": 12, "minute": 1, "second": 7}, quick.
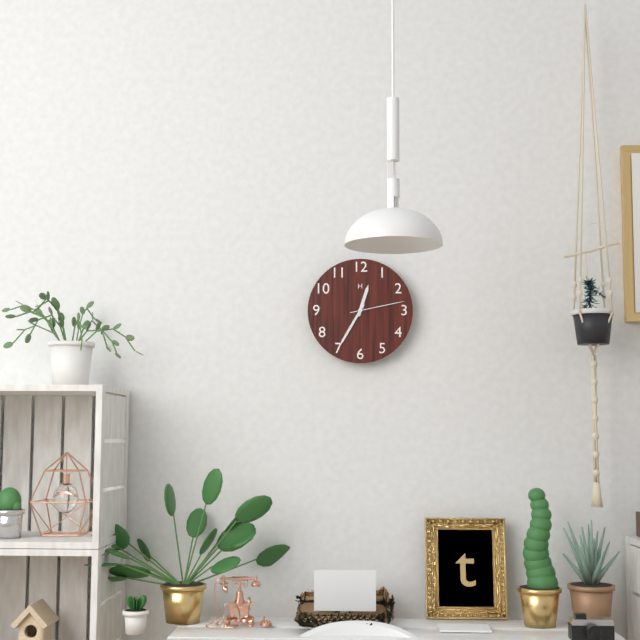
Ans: {"hour": 12, "minute": 35, "second": 13}
